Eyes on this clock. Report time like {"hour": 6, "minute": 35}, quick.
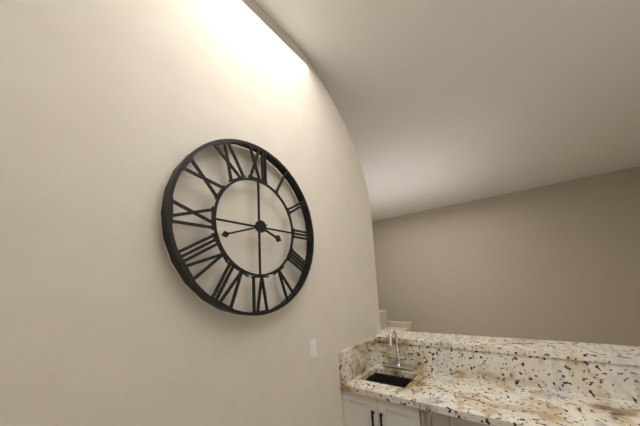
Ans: {"hour": 3, "minute": 42}
